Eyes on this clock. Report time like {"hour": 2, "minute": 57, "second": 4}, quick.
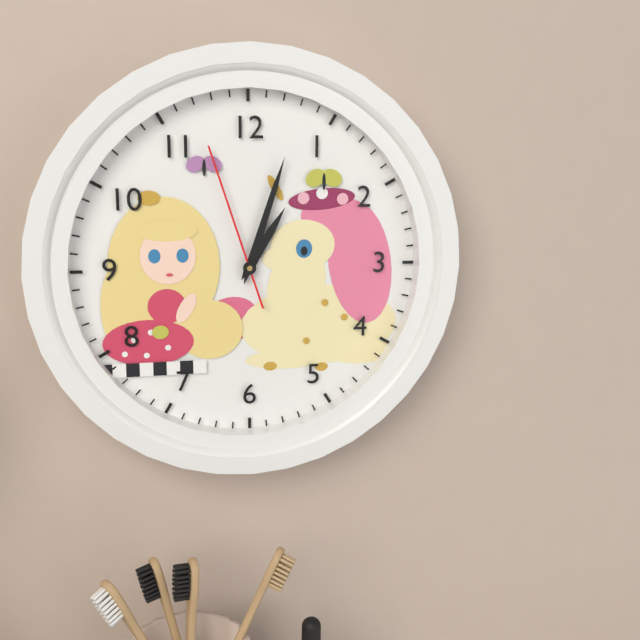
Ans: {"hour": 1, "minute": 3, "second": 57}
